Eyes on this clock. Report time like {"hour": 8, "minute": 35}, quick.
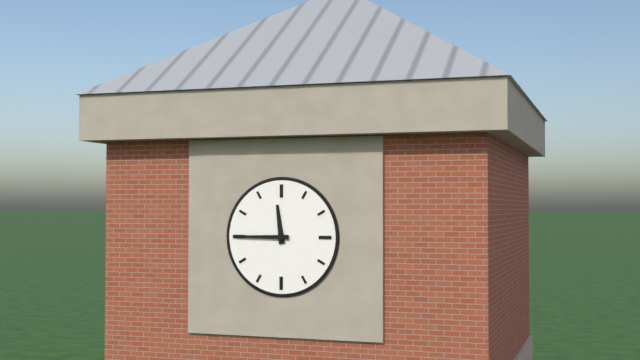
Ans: {"hour": 11, "minute": 45}
